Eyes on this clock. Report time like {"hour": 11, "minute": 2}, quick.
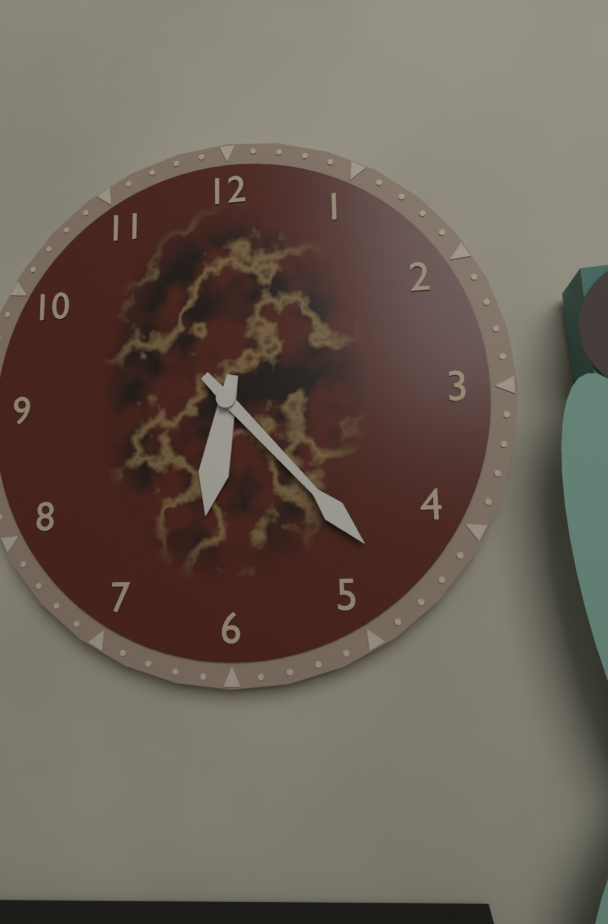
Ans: {"hour": 6, "minute": 23}
